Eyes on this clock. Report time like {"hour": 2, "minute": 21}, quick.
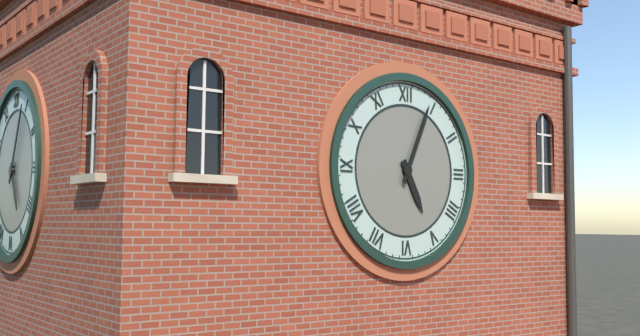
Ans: {"hour": 5, "minute": 4}
